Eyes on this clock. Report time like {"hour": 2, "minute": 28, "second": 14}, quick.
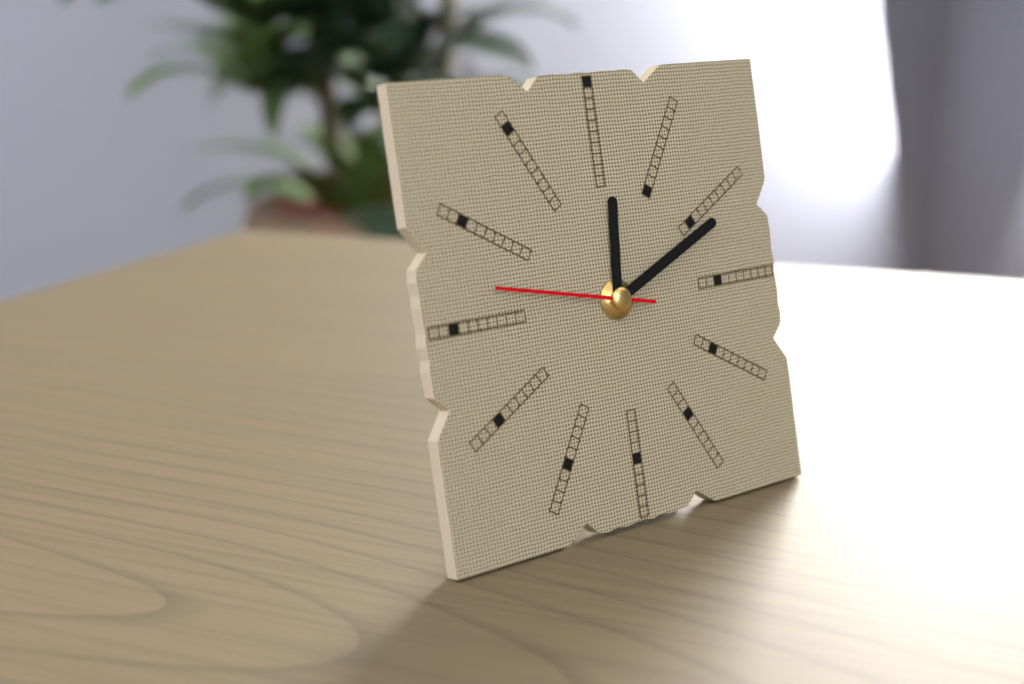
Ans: {"hour": 12, "minute": 11, "second": 47}
